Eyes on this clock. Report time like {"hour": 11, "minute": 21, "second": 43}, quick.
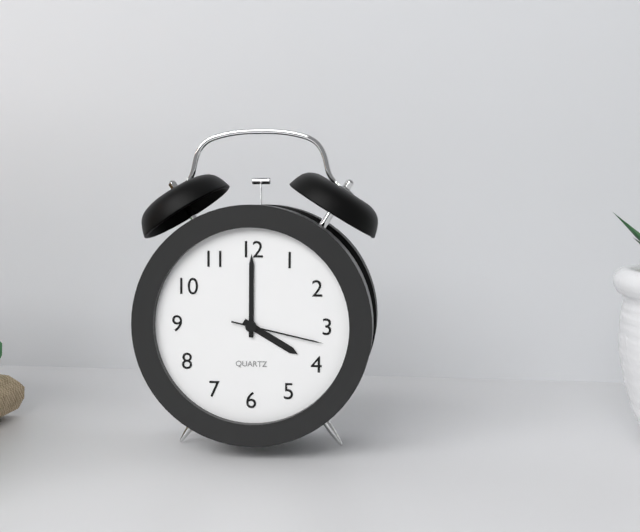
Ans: {"hour": 4, "minute": 0, "second": 17}
